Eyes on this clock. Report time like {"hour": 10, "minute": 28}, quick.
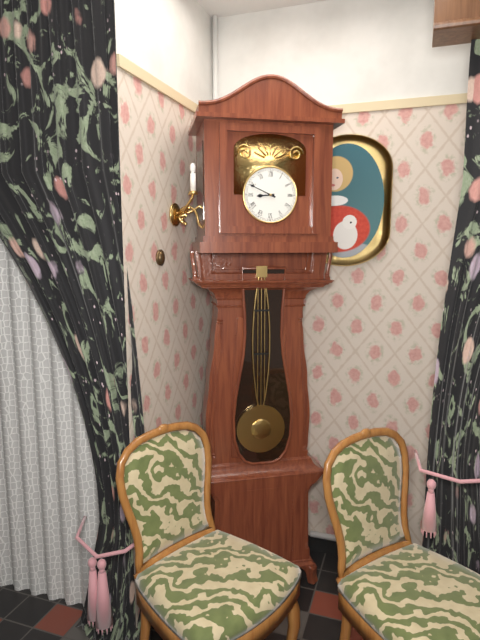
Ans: {"hour": 8, "minute": 49}
